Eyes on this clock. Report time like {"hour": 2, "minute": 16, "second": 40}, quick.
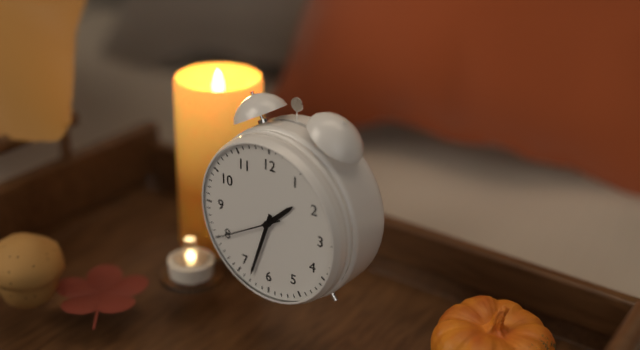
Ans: {"hour": 1, "minute": 33, "second": 40}
